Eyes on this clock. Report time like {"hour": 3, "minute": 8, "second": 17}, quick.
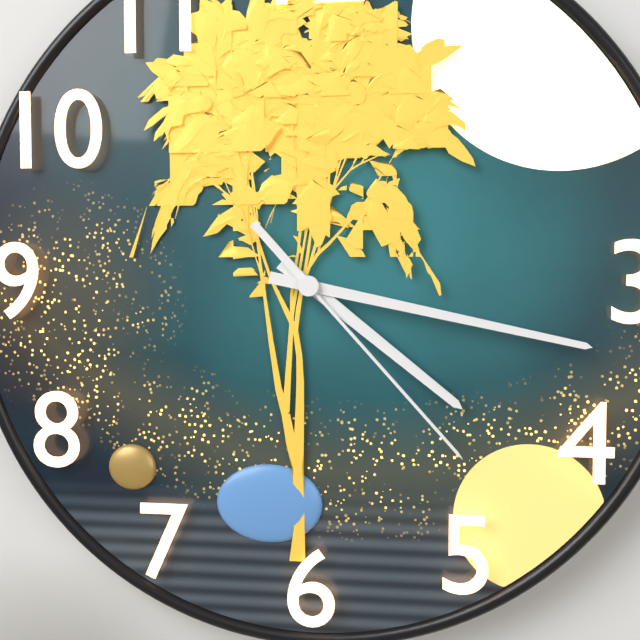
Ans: {"hour": 4, "minute": 17, "second": 23}
